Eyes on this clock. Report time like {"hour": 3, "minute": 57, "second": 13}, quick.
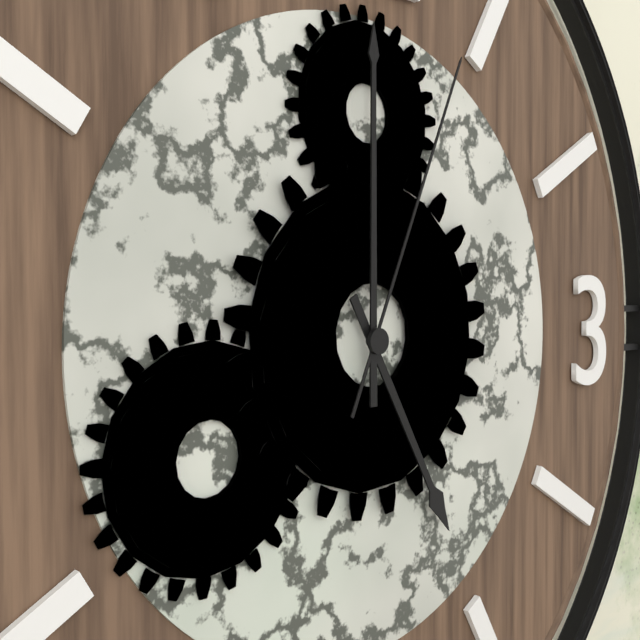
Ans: {"hour": 5, "minute": 0, "second": 4}
